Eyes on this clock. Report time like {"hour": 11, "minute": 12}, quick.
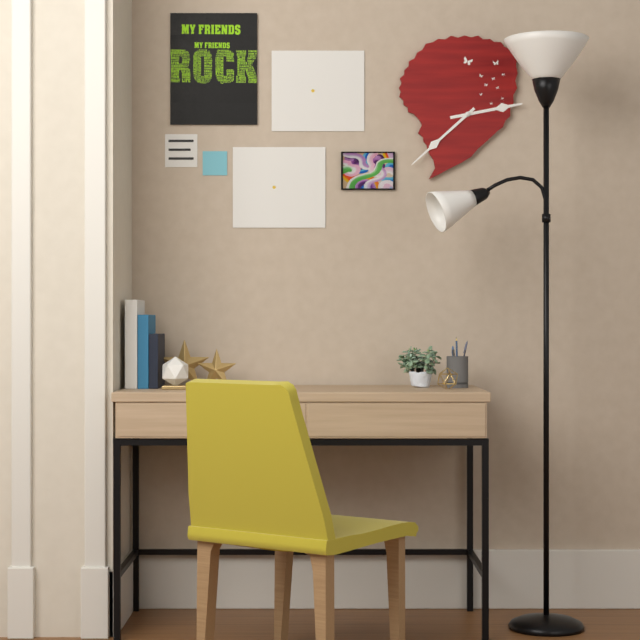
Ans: {"hour": 2, "minute": 38}
